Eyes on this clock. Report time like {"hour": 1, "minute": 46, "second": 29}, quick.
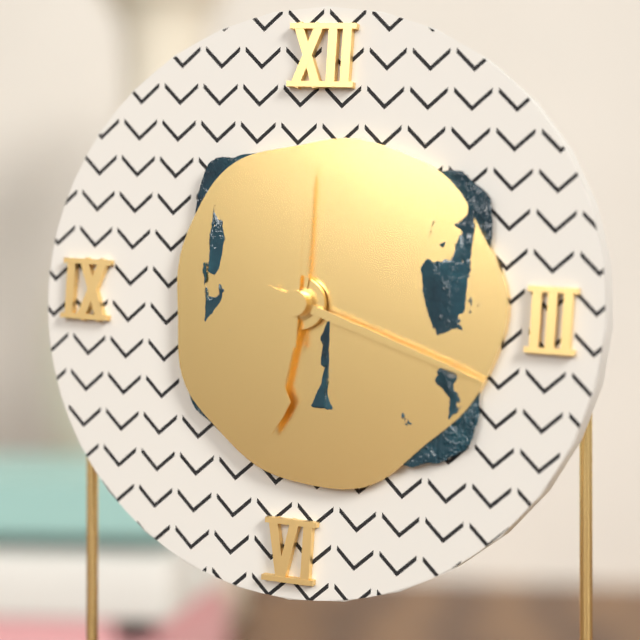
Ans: {"hour": 6, "minute": 18, "second": 0}
